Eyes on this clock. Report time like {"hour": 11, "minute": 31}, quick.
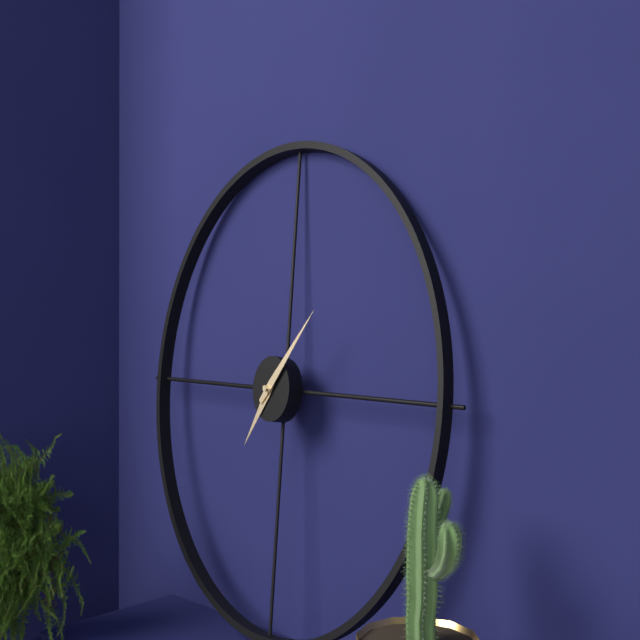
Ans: {"hour": 7, "minute": 7}
